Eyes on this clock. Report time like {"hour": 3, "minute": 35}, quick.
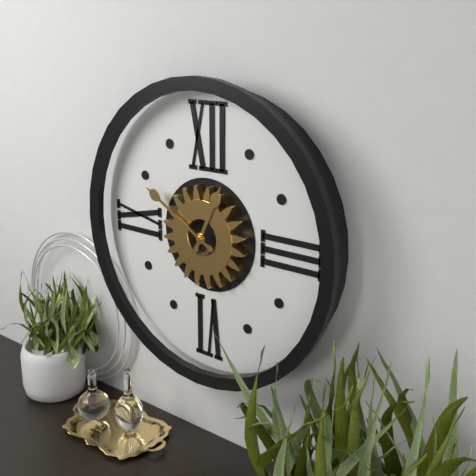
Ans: {"hour": 12, "minute": 50}
